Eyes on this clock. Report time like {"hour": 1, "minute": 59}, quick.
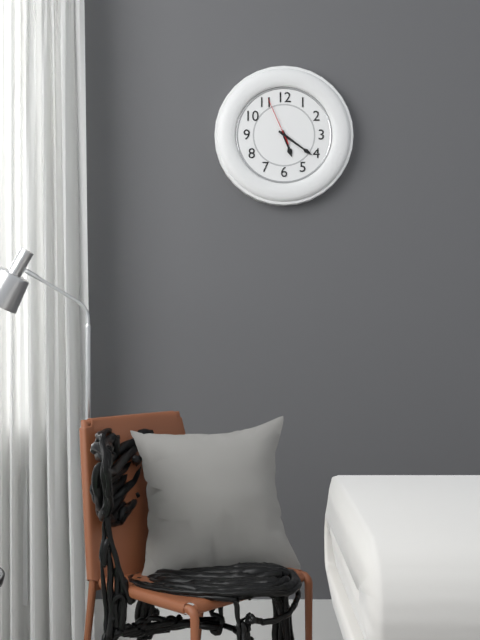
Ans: {"hour": 5, "minute": 21}
